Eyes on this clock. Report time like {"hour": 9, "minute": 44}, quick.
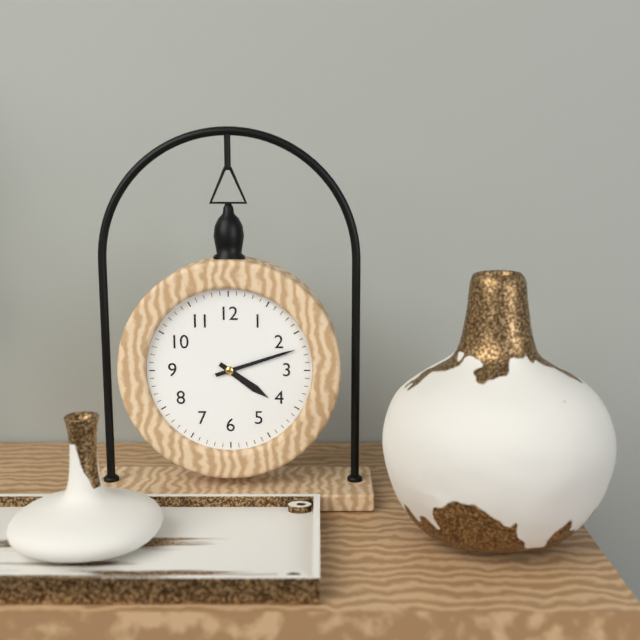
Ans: {"hour": 4, "minute": 12}
